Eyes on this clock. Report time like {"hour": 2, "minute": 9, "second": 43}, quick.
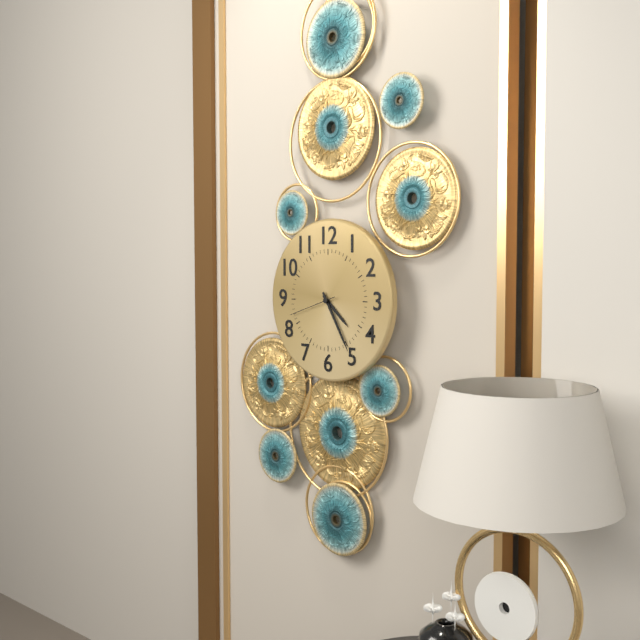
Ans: {"hour": 4, "minute": 25, "second": 42}
